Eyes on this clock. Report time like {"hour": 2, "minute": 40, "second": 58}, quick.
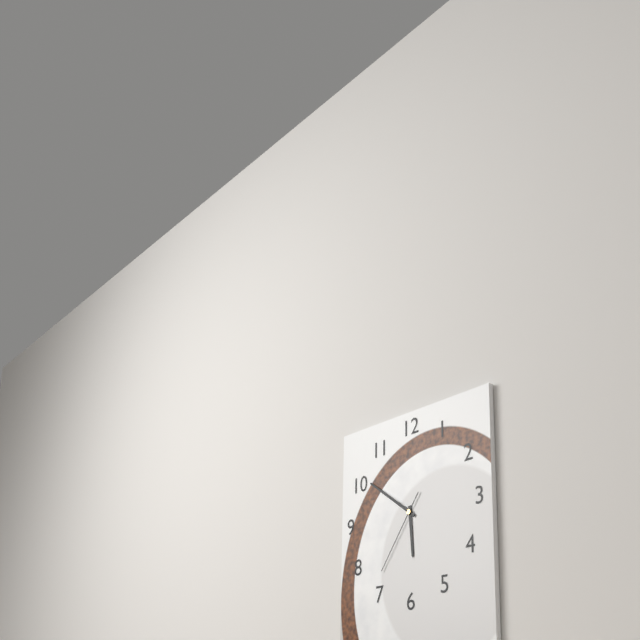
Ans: {"hour": 5, "minute": 51, "second": 36}
